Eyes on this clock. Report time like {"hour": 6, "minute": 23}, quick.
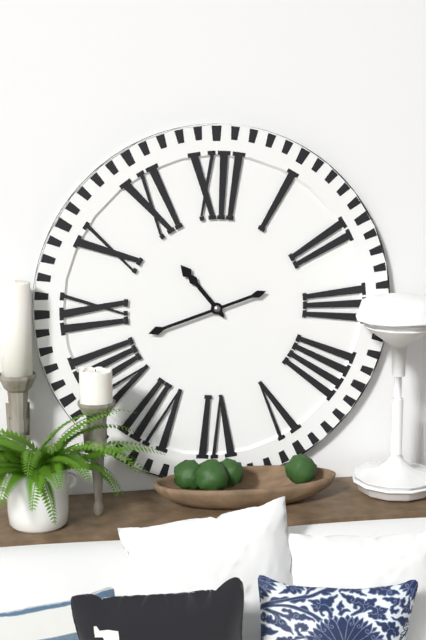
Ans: {"hour": 10, "minute": 42}
